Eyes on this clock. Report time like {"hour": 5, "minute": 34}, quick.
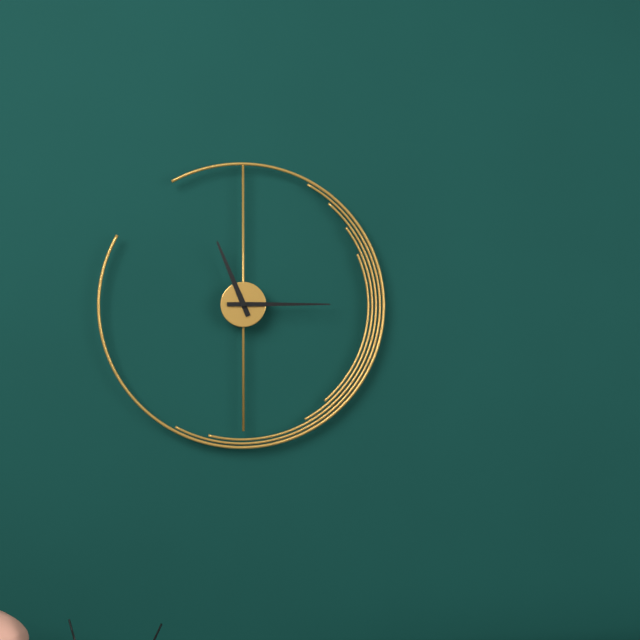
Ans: {"hour": 11, "minute": 15}
